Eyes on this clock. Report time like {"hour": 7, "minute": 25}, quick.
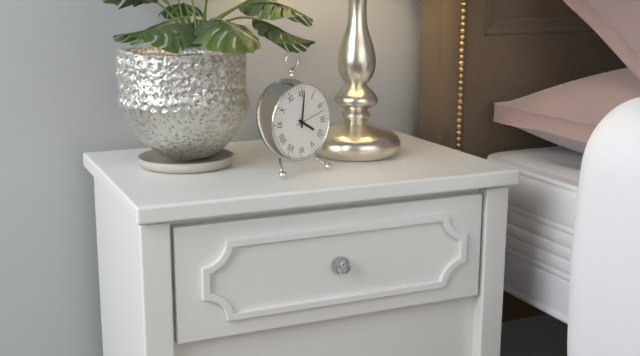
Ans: {"hour": 4, "minute": 1}
